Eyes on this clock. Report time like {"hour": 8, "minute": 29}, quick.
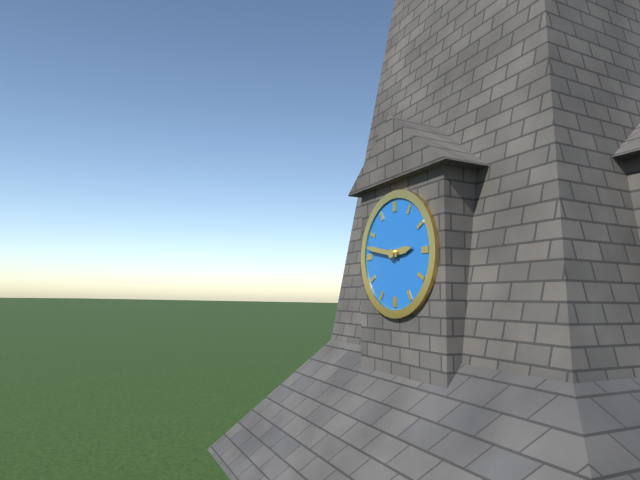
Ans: {"hour": 2, "minute": 47}
